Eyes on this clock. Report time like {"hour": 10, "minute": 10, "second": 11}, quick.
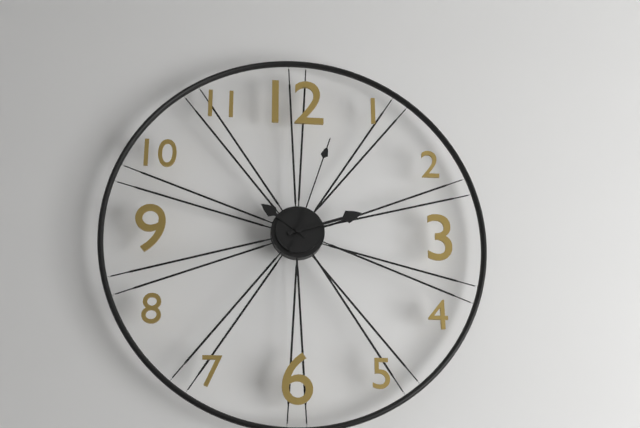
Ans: {"hour": 10, "minute": 12, "second": 3}
